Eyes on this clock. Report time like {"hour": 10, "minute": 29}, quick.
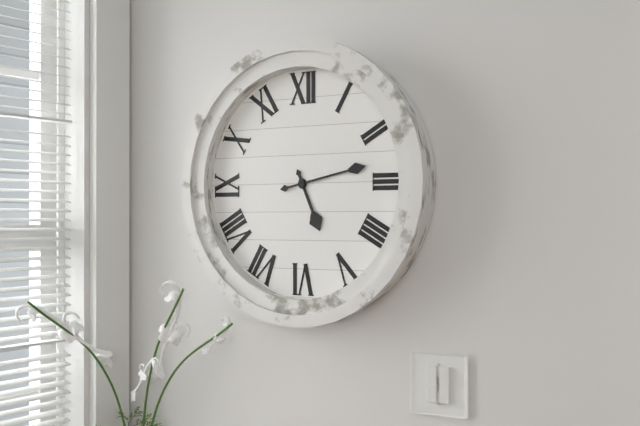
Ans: {"hour": 5, "minute": 13}
